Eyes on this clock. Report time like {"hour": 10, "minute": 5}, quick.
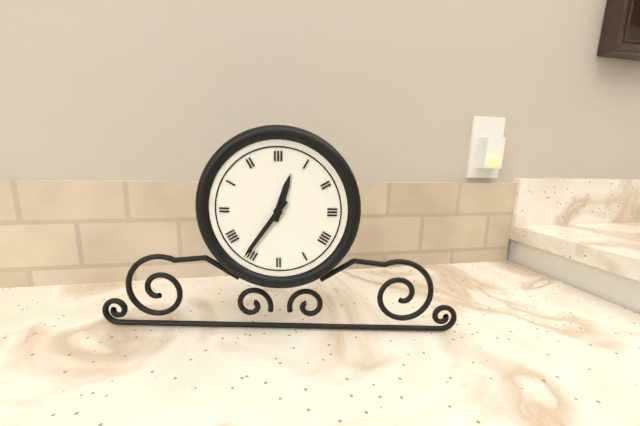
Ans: {"hour": 12, "minute": 36}
